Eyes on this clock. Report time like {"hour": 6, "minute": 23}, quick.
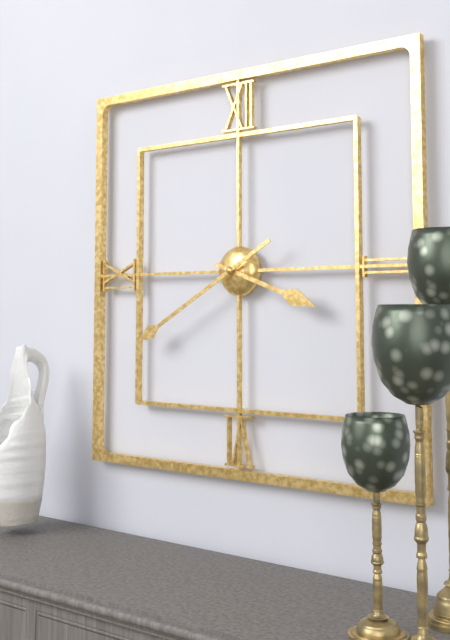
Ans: {"hour": 3, "minute": 40}
